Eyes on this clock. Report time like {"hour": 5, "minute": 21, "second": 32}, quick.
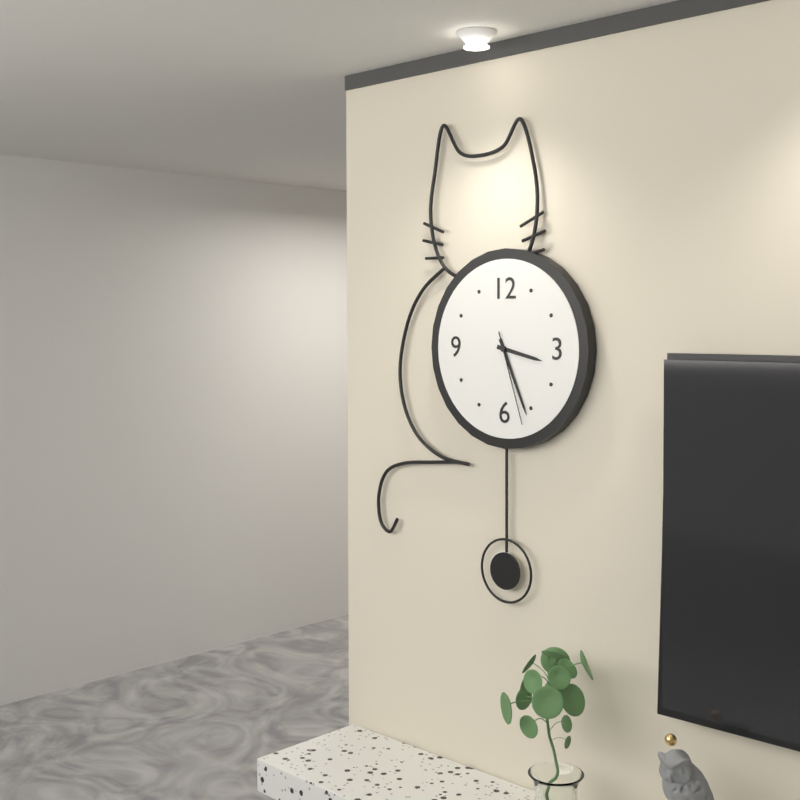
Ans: {"hour": 3, "minute": 26, "second": 27}
